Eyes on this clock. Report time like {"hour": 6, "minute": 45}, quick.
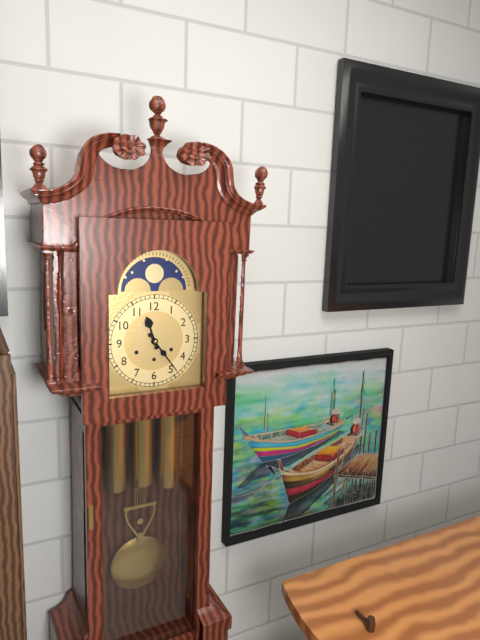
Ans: {"hour": 11, "minute": 24}
